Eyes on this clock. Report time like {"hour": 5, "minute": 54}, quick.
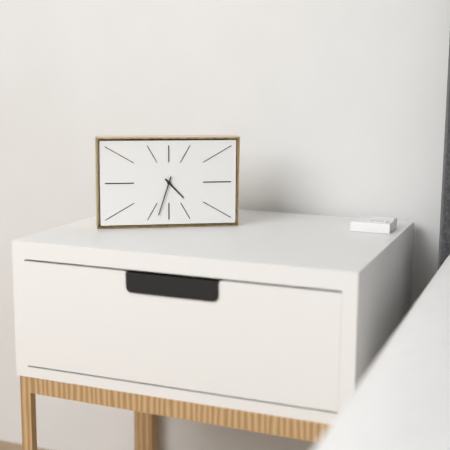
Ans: {"hour": 4, "minute": 33}
